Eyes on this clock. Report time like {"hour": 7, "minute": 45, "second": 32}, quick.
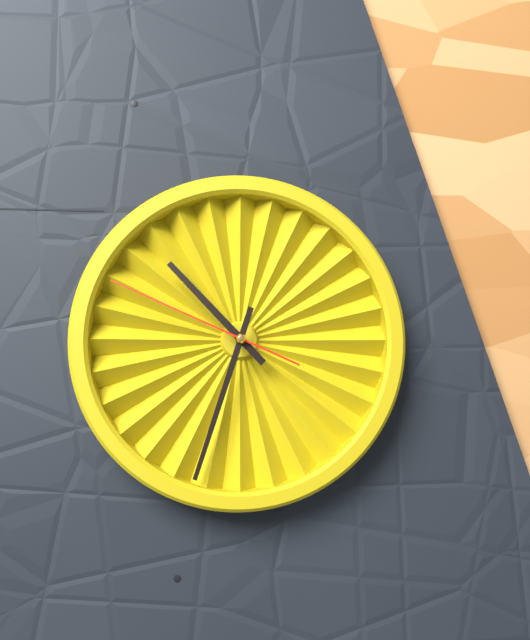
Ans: {"hour": 10, "minute": 33, "second": 49}
